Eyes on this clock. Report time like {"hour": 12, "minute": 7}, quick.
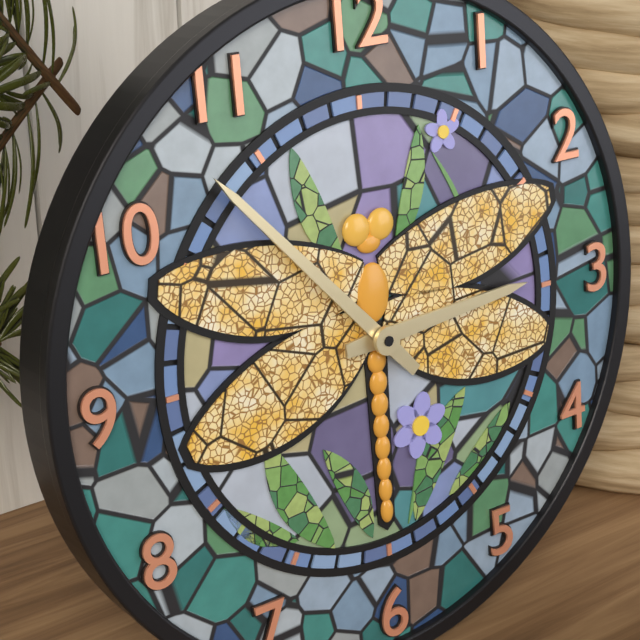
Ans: {"hour": 2, "minute": 53}
